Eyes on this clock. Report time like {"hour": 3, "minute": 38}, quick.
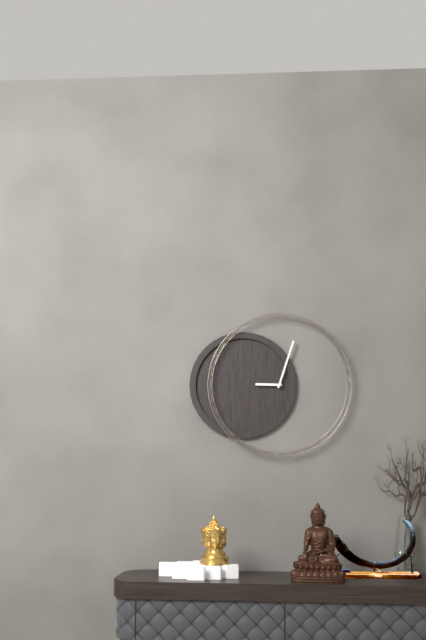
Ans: {"hour": 9, "minute": 3}
